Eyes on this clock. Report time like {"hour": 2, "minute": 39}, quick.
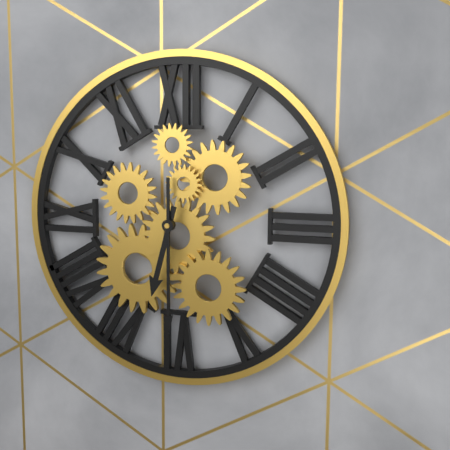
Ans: {"hour": 6, "minute": 30}
